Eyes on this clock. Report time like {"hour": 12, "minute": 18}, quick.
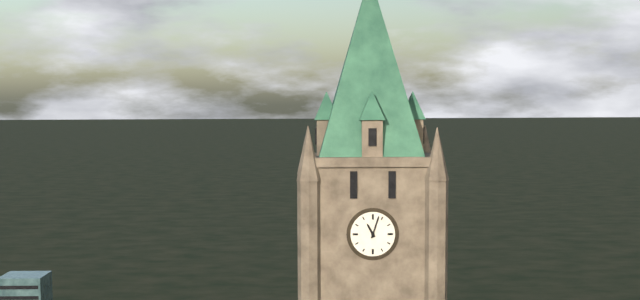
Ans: {"hour": 11, "minute": 3}
